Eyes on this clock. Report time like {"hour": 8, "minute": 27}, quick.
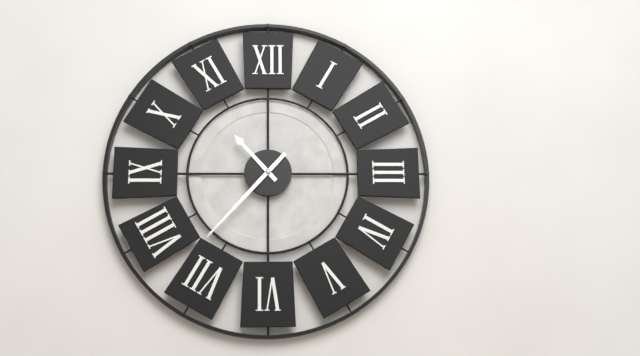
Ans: {"hour": 10, "minute": 37}
